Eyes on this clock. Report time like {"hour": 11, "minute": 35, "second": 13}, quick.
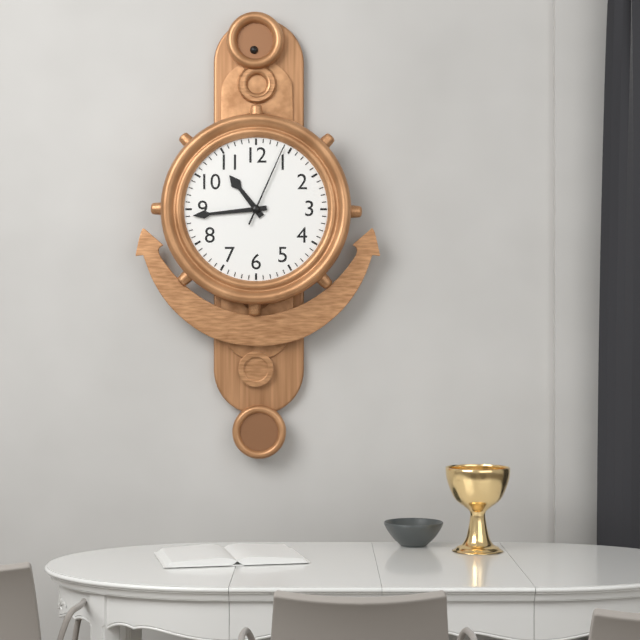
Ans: {"hour": 10, "minute": 44, "second": 4}
